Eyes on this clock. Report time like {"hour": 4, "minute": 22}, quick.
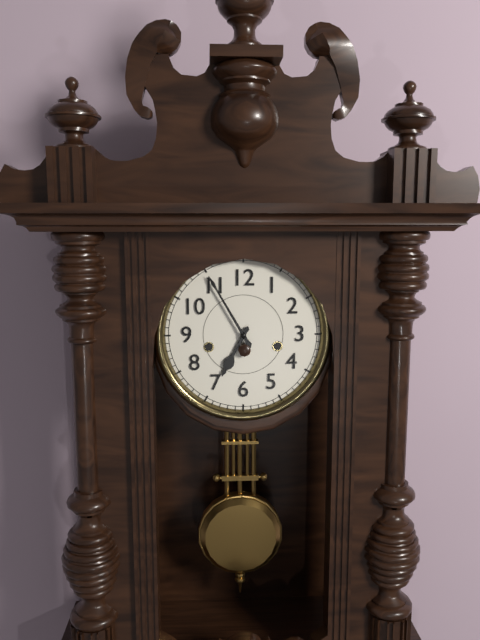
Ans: {"hour": 6, "minute": 55}
